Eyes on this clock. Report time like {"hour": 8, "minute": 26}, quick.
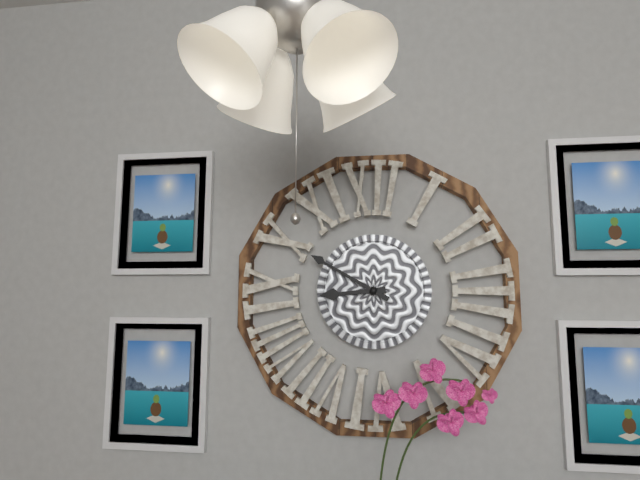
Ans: {"hour": 8, "minute": 50}
